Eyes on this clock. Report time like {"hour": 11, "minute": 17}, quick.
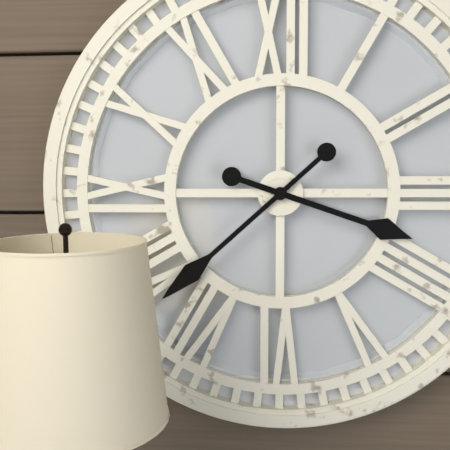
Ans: {"hour": 3, "minute": 38}
